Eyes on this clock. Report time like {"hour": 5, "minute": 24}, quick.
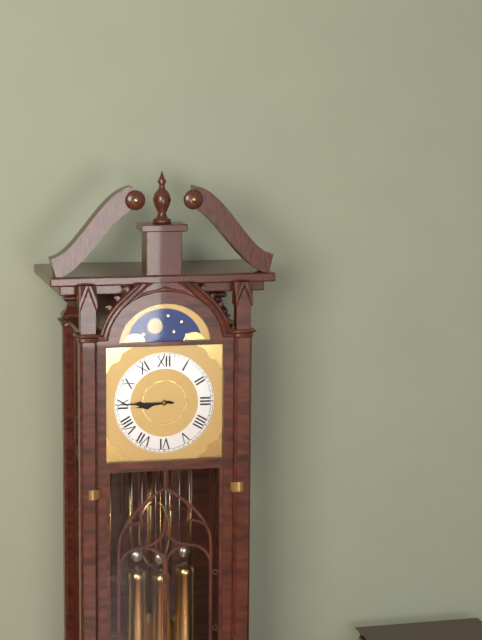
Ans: {"hour": 8, "minute": 45}
